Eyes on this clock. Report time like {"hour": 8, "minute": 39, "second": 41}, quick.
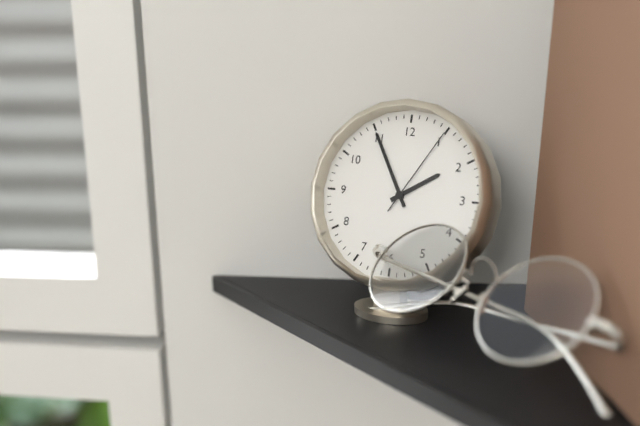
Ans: {"hour": 1, "minute": 55, "second": 5}
